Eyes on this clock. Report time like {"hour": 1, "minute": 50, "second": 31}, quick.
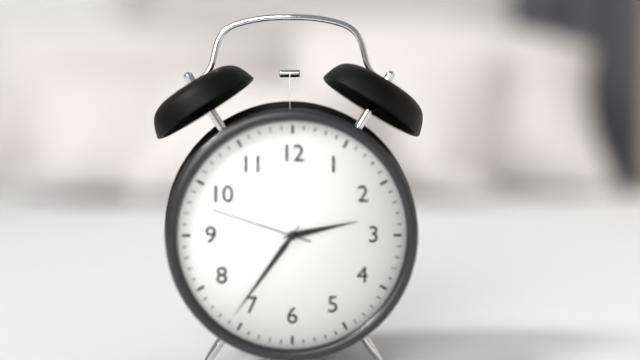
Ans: {"hour": 2, "minute": 36, "second": 48}
